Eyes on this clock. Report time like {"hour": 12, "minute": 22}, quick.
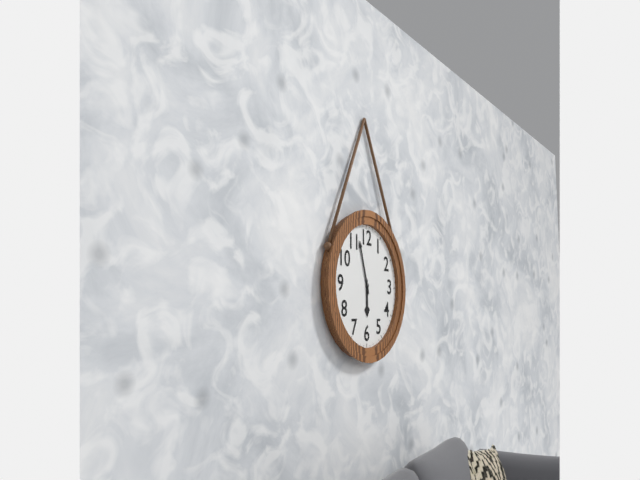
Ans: {"hour": 5, "minute": 57}
